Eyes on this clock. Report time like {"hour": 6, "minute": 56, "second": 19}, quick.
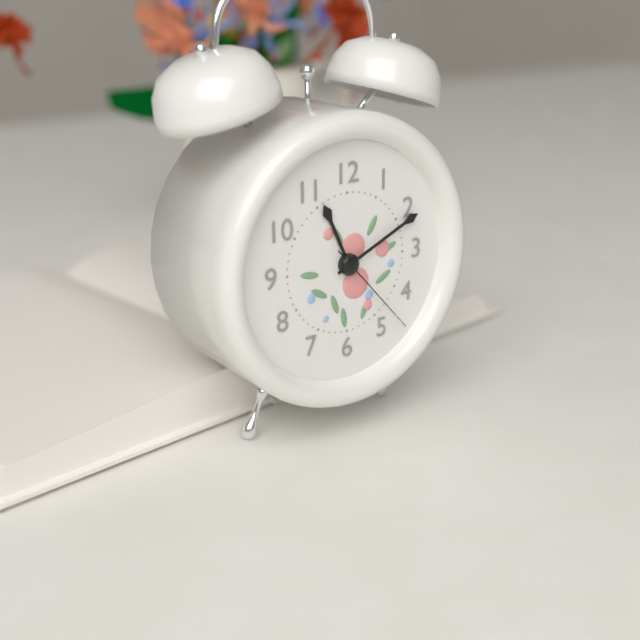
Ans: {"hour": 11, "minute": 11, "second": 23}
